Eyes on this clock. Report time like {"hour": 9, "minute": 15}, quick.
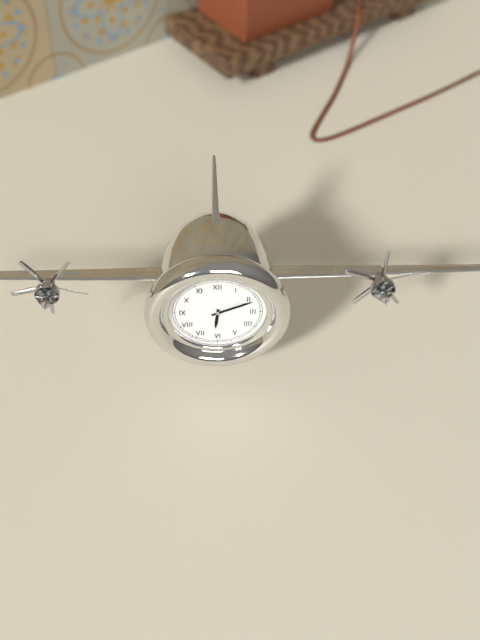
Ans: {"hour": 6, "minute": 11}
